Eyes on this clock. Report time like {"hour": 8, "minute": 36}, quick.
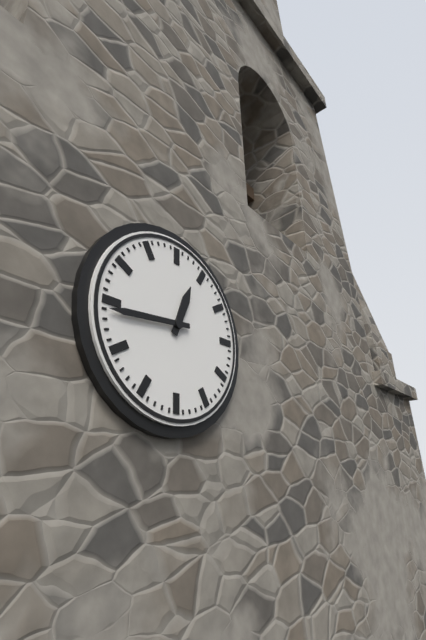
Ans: {"hour": 12, "minute": 44}
